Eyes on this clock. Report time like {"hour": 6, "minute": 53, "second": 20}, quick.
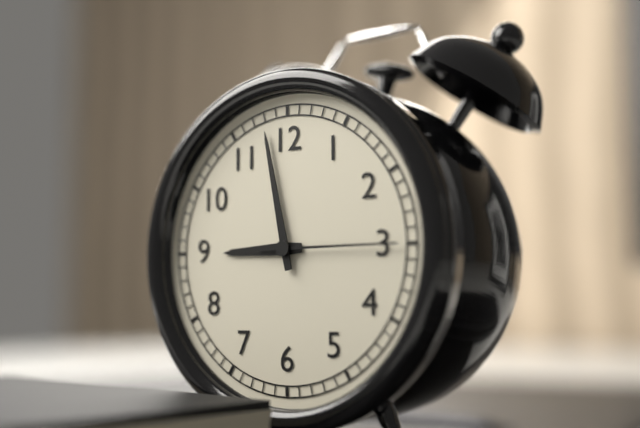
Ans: {"hour": 8, "minute": 58, "second": 15}
